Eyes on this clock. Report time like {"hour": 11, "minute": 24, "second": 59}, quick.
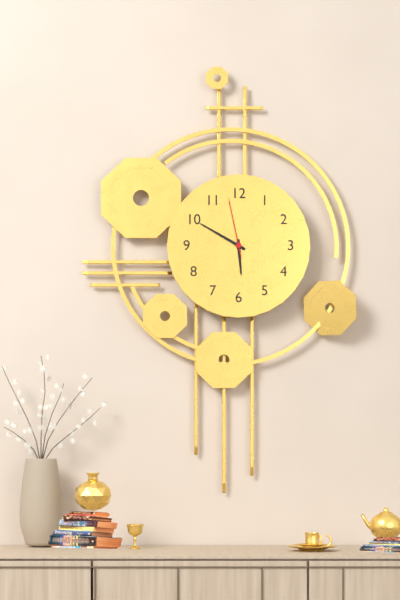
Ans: {"hour": 5, "minute": 50, "second": 58}
